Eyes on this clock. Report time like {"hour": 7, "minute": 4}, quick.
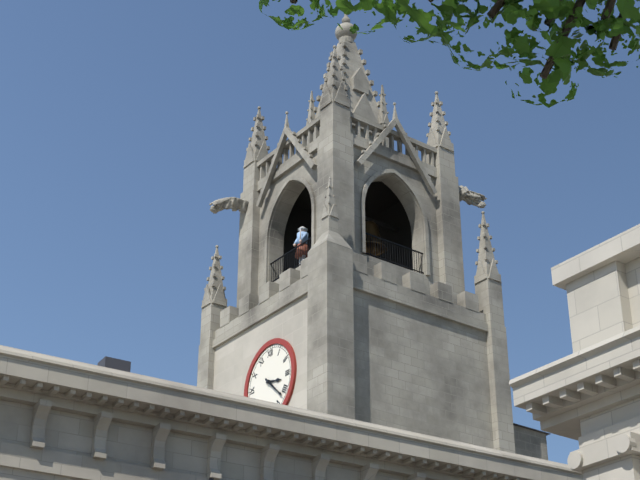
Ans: {"hour": 3, "minute": 22}
